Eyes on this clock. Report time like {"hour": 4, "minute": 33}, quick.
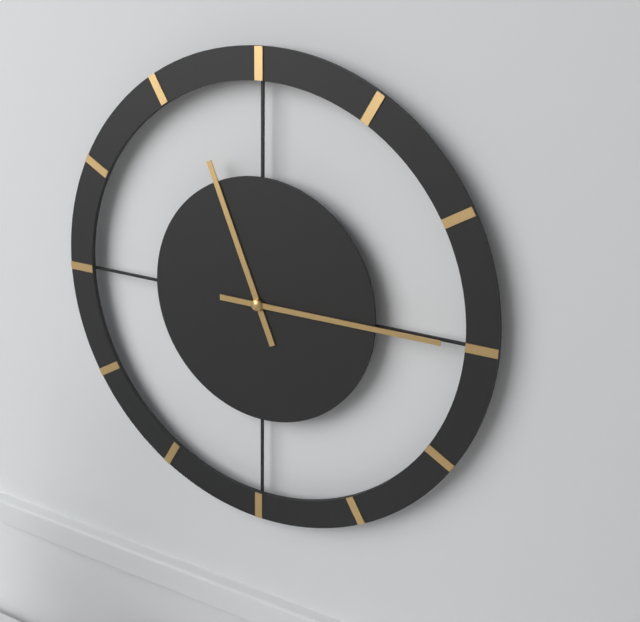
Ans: {"hour": 11, "minute": 15}
